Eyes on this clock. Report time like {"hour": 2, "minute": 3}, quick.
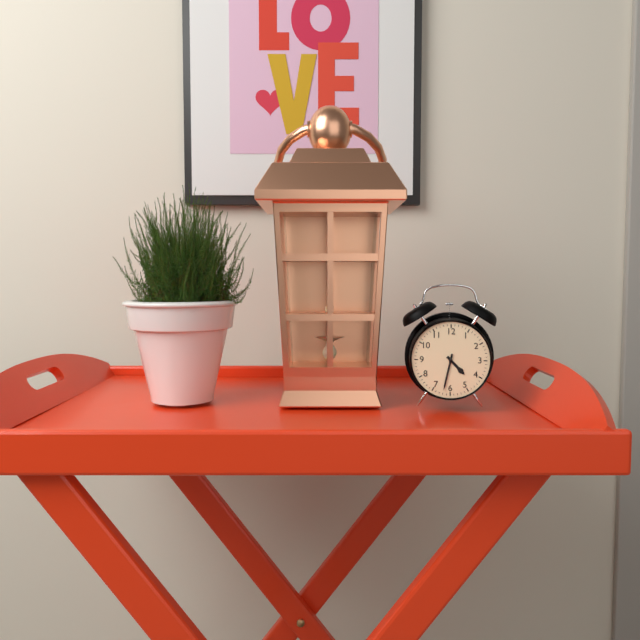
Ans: {"hour": 4, "minute": 32}
